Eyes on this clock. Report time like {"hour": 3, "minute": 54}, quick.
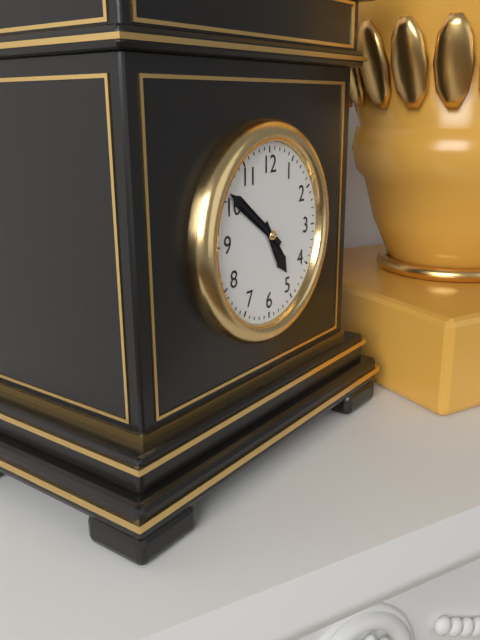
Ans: {"hour": 4, "minute": 51}
